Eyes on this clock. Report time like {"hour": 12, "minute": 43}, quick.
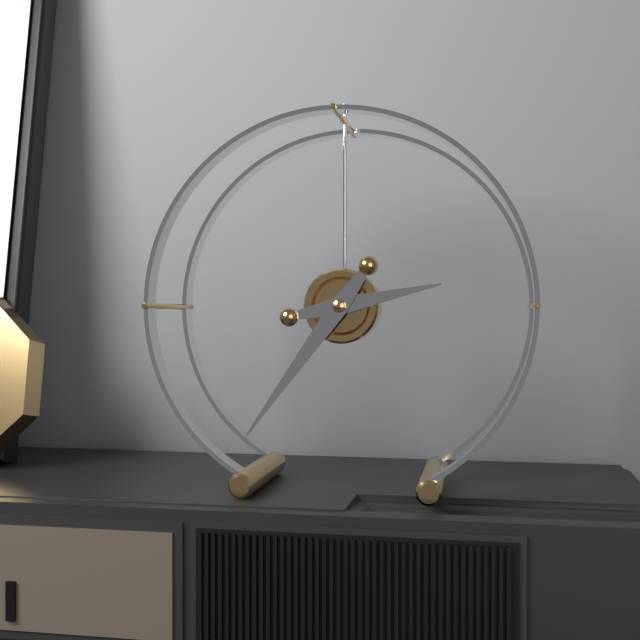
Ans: {"hour": 2, "minute": 36}
